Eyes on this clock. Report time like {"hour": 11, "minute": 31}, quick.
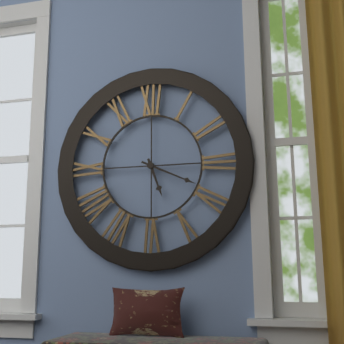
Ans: {"hour": 5, "minute": 19}
